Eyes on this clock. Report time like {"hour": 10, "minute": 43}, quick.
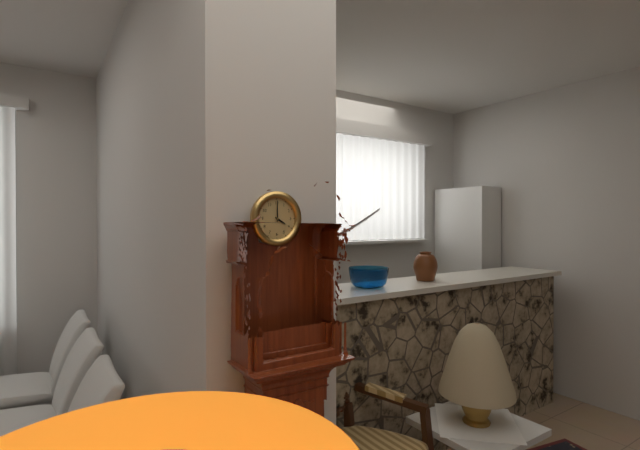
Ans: {"hour": 4, "minute": 0}
